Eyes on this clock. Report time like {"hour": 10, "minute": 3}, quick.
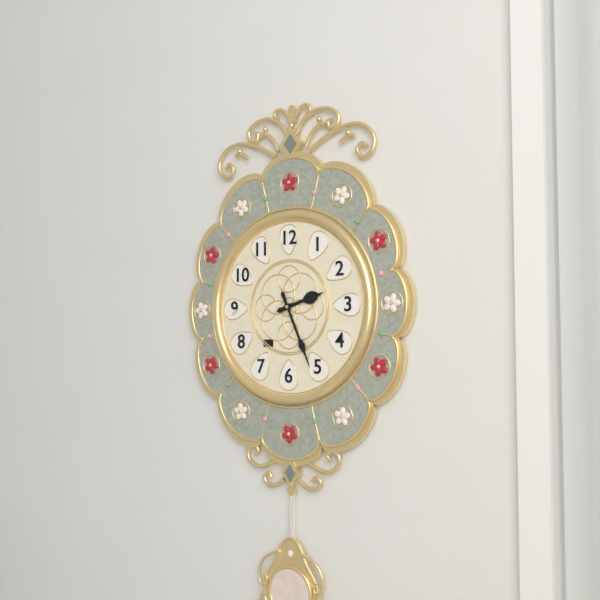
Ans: {"hour": 2, "minute": 26}
